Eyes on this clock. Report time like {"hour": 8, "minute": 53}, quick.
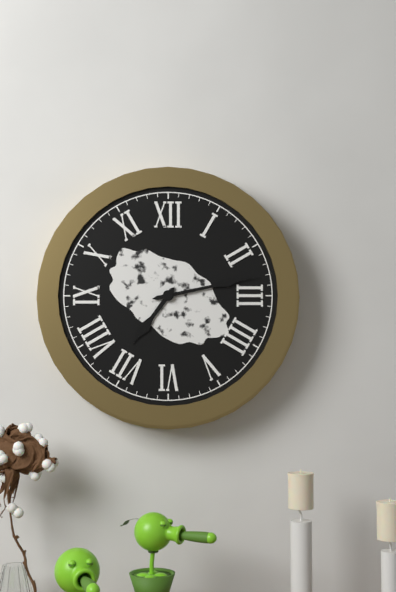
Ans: {"hour": 7, "minute": 13}
